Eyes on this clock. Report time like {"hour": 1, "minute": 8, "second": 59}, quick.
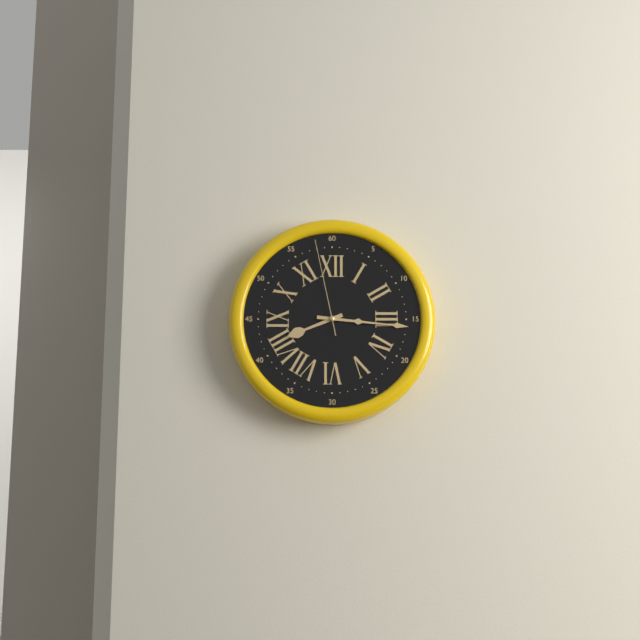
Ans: {"hour": 8, "minute": 16, "second": 58}
